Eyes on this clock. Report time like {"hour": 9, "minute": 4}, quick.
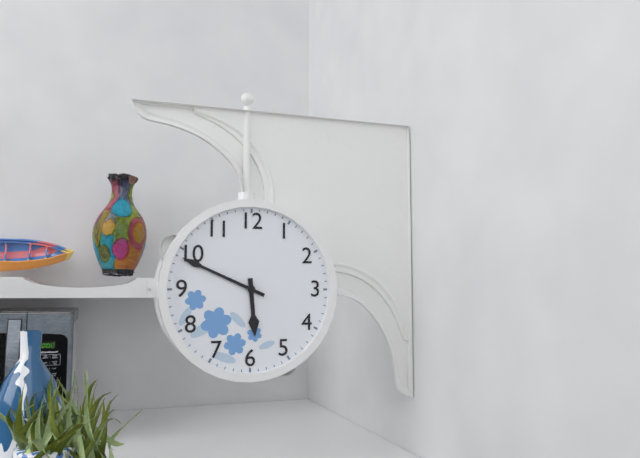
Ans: {"hour": 5, "minute": 49}
